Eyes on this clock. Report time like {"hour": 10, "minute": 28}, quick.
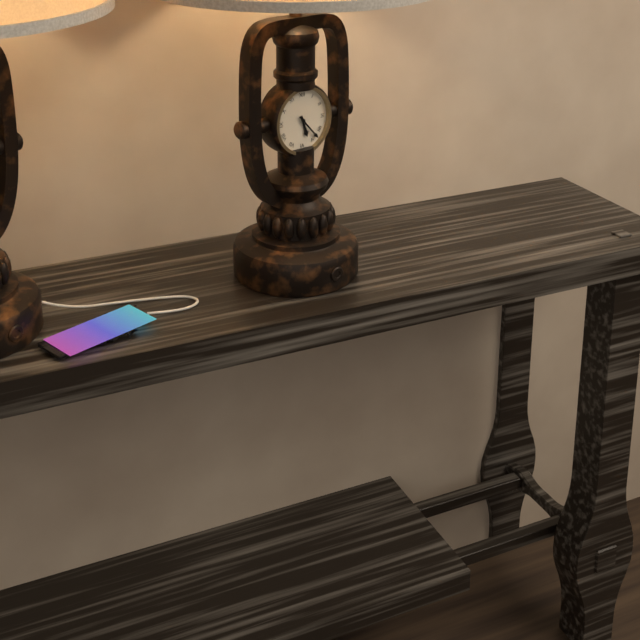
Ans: {"hour": 5, "minute": 23}
